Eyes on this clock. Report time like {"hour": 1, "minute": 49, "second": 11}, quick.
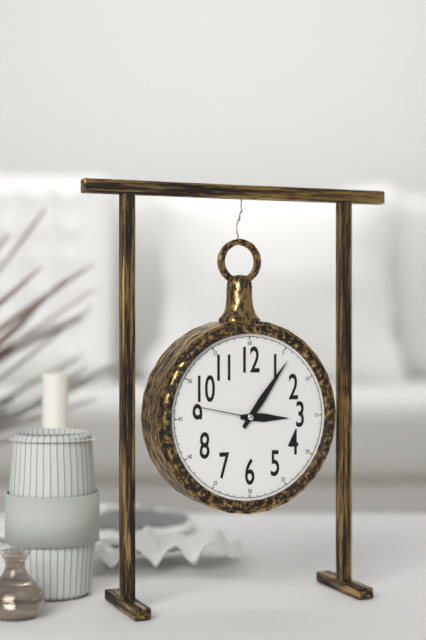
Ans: {"hour": 3, "minute": 6, "second": 47}
